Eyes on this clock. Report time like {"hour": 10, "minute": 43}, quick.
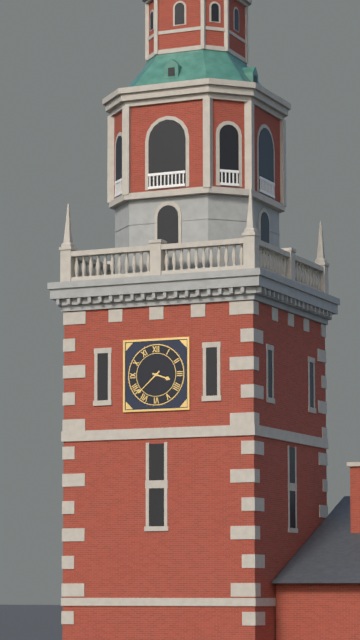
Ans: {"hour": 3, "minute": 38}
